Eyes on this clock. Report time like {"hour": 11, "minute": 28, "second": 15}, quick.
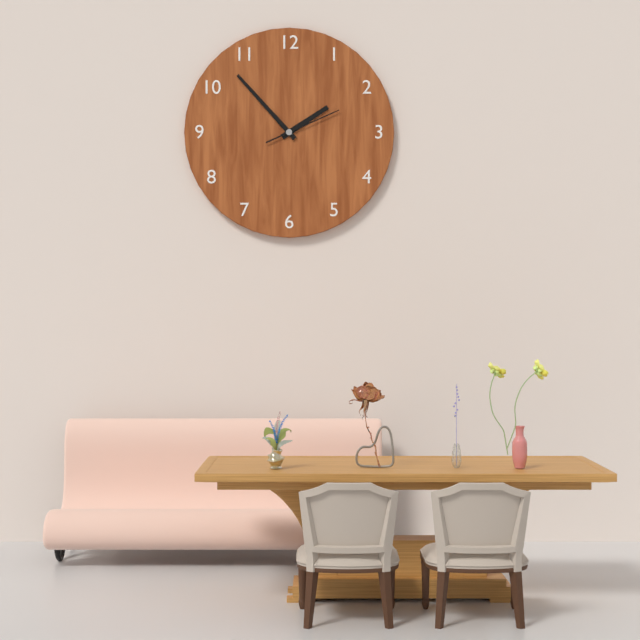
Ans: {"hour": 1, "minute": 53, "second": 11}
